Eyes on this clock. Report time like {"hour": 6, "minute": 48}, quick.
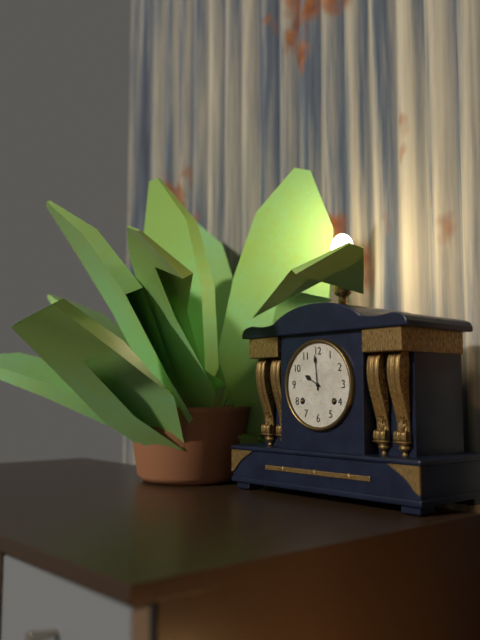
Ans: {"hour": 9, "minute": 59}
